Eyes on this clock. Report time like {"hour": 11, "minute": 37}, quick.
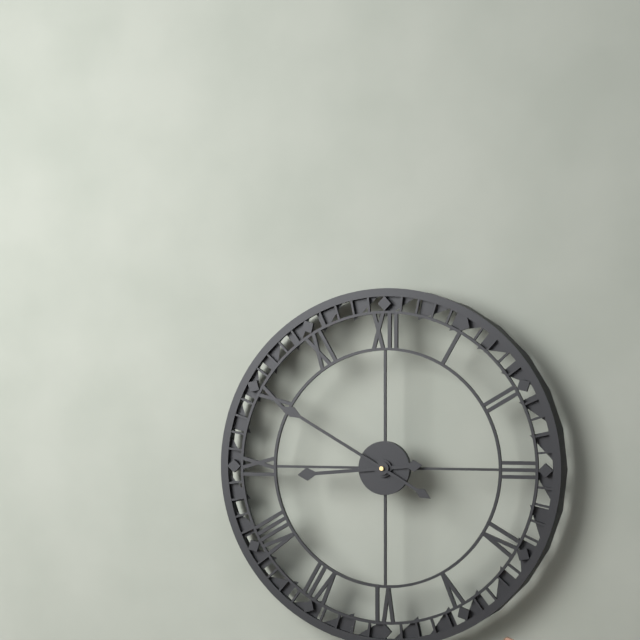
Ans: {"hour": 8, "minute": 50}
